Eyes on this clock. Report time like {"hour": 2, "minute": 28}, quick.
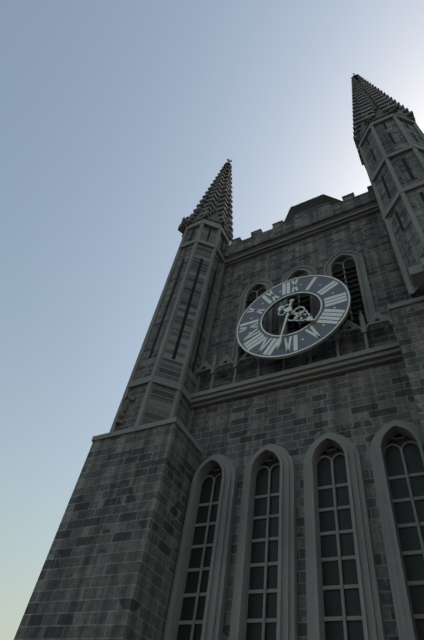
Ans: {"hour": 4, "minute": 32}
